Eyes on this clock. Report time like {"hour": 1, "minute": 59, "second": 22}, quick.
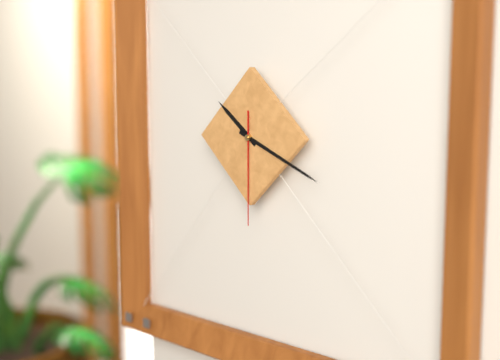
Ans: {"hour": 10, "minute": 19, "second": 30}
